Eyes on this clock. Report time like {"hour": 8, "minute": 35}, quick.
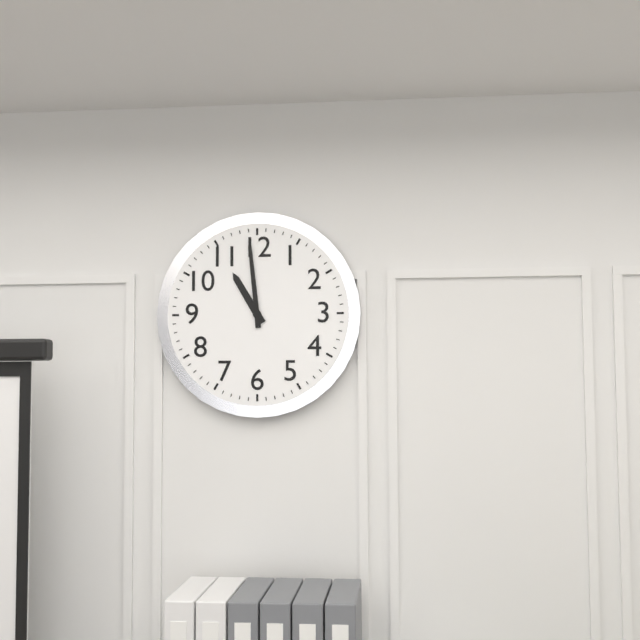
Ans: {"hour": 10, "minute": 59}
